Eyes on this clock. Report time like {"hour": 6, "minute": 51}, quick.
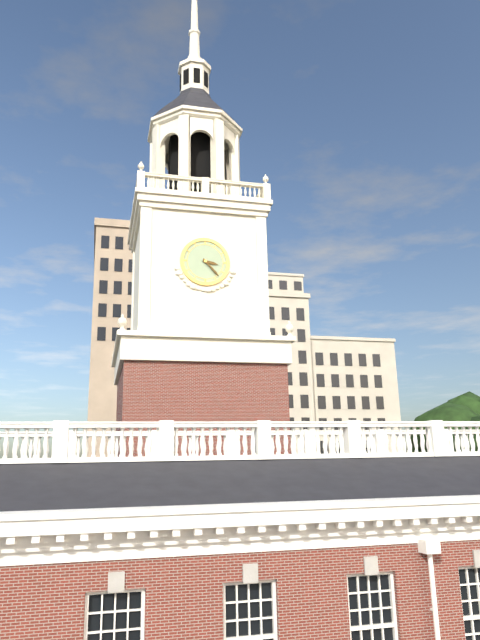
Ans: {"hour": 3, "minute": 23}
